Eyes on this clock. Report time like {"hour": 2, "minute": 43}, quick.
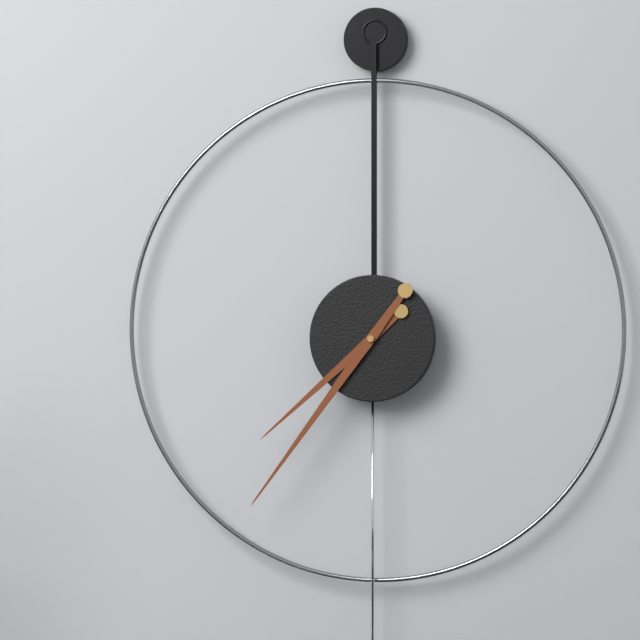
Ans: {"hour": 7, "minute": 36}
